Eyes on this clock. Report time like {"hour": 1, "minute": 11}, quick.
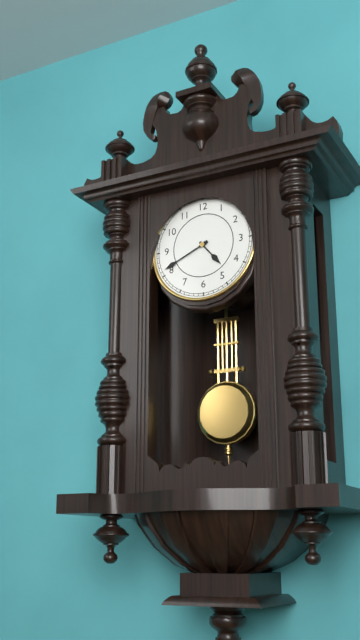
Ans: {"hour": 4, "minute": 41}
